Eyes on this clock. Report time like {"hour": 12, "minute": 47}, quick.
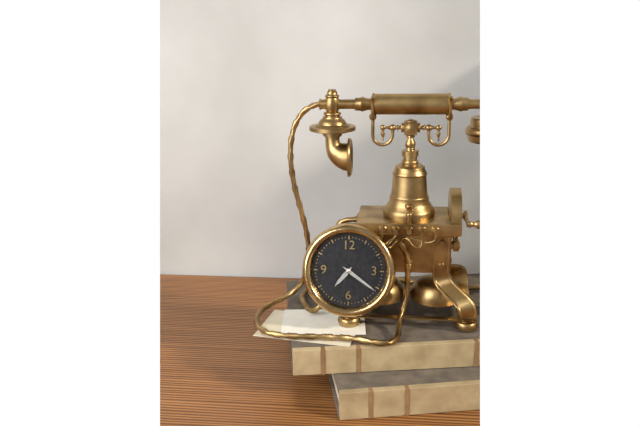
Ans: {"hour": 7, "minute": 21}
